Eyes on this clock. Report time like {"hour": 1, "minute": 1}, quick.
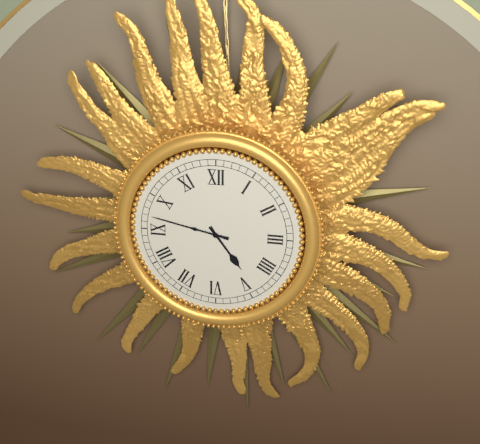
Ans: {"hour": 4, "minute": 47}
